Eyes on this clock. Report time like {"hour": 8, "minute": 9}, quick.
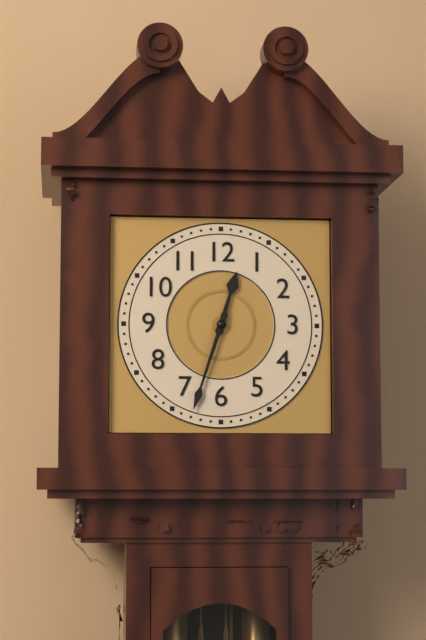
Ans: {"hour": 12, "minute": 33}
